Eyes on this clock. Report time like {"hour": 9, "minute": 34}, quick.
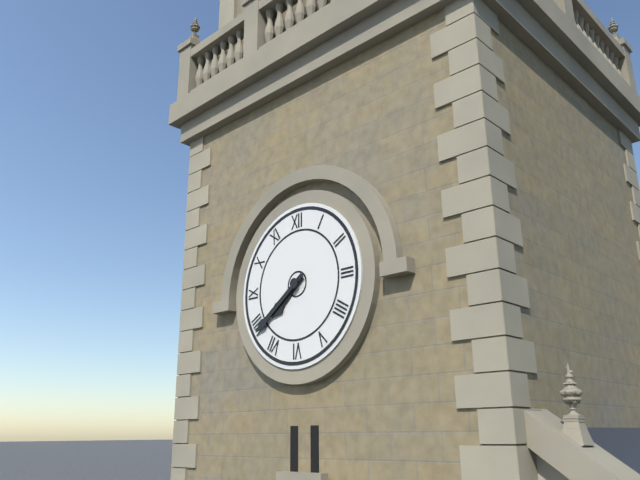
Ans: {"hour": 7, "minute": 39}
